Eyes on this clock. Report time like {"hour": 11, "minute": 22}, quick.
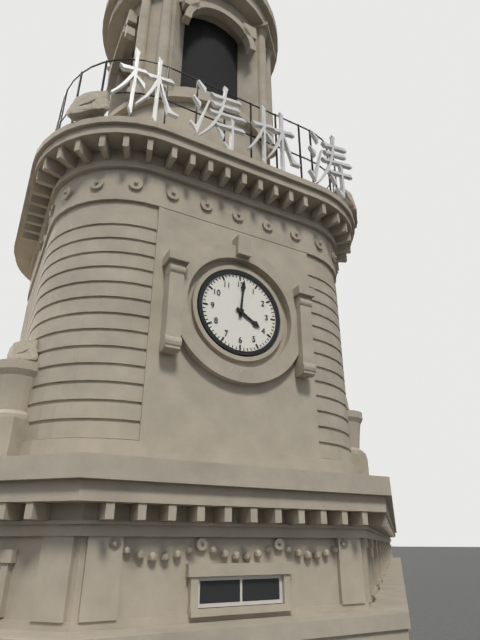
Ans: {"hour": 4, "minute": 1}
